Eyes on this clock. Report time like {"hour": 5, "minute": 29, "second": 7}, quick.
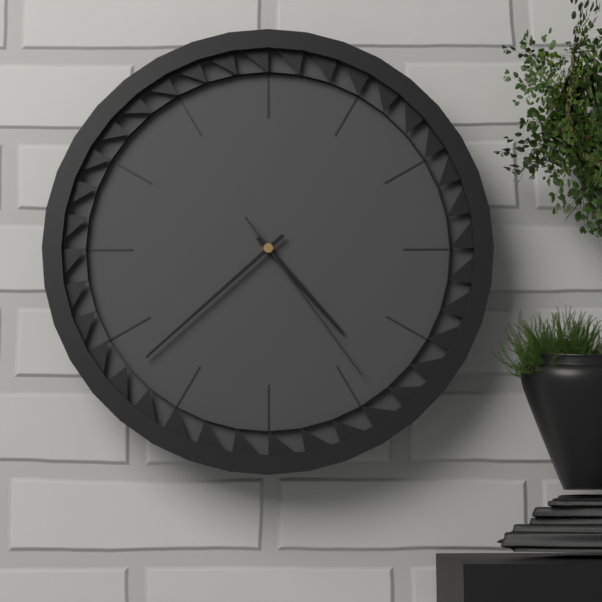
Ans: {"hour": 4, "minute": 38, "second": 24}
